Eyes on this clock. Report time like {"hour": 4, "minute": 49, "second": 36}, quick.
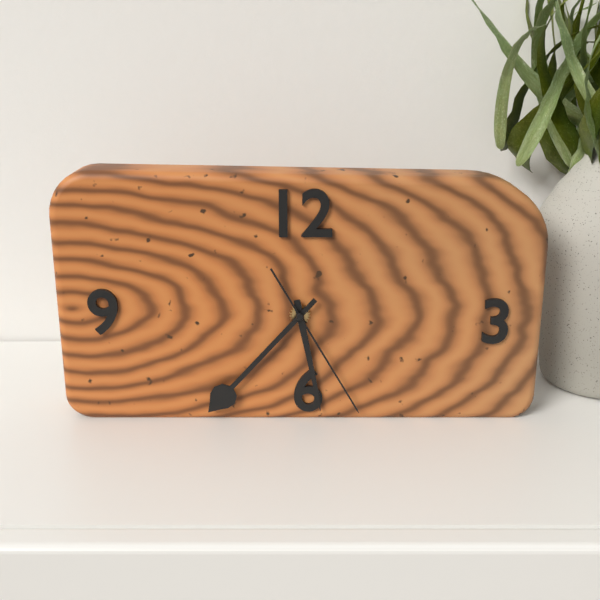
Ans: {"hour": 5, "minute": 37, "second": 25}
